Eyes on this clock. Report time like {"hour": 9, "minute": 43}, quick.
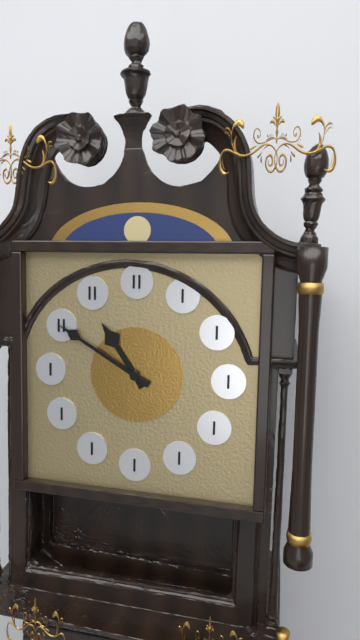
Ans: {"hour": 10, "minute": 50}
